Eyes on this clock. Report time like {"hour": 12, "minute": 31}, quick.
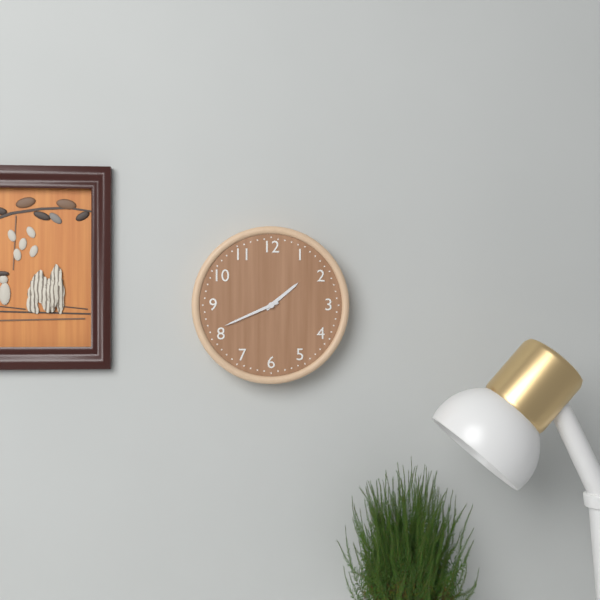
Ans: {"hour": 1, "minute": 41}
